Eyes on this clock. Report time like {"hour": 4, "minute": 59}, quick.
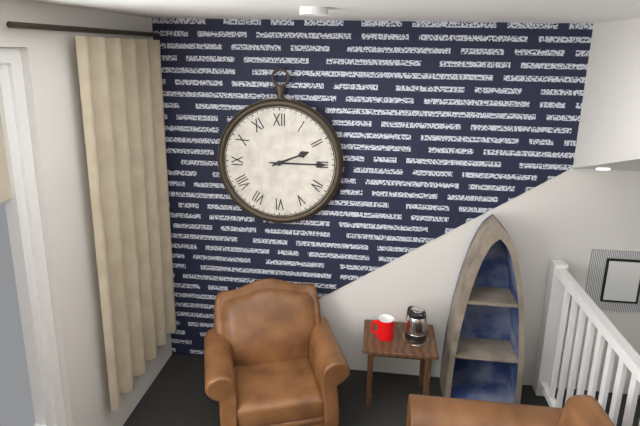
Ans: {"hour": 2, "minute": 15}
